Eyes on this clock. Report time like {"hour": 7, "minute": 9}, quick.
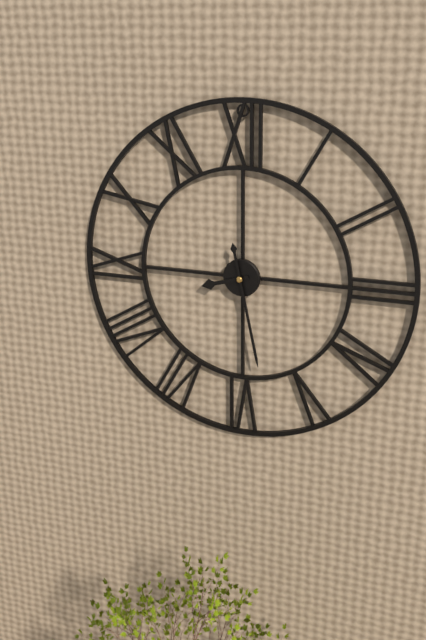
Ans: {"hour": 8, "minute": 28}
